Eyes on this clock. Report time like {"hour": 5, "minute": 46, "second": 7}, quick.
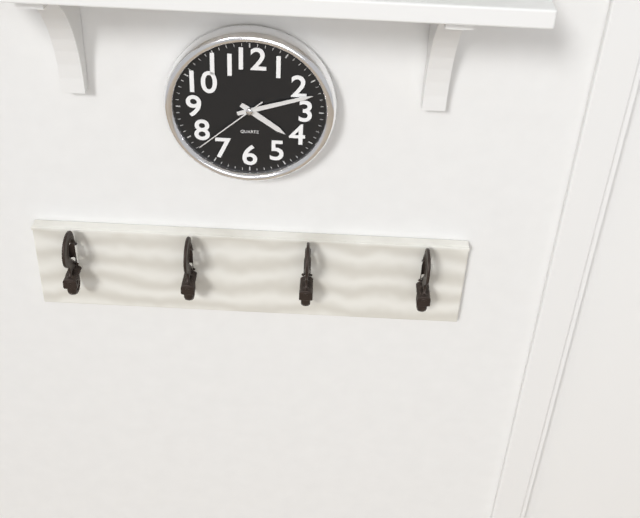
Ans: {"hour": 4, "minute": 12, "second": 38}
